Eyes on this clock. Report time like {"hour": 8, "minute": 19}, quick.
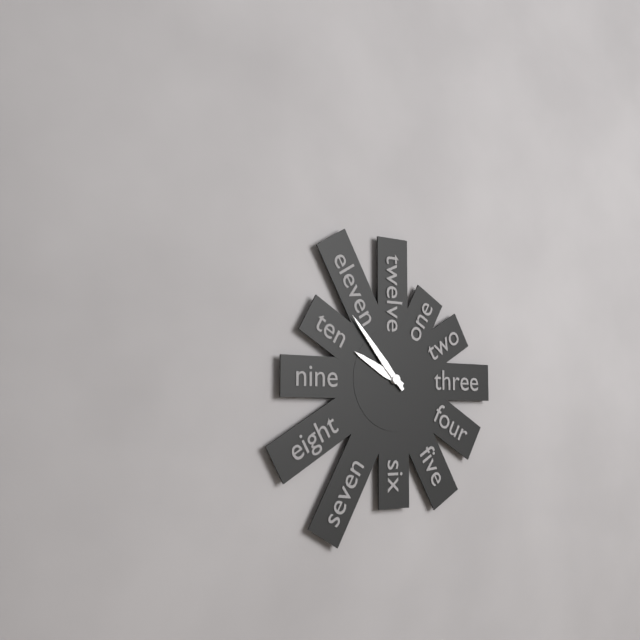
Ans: {"hour": 9, "minute": 53}
